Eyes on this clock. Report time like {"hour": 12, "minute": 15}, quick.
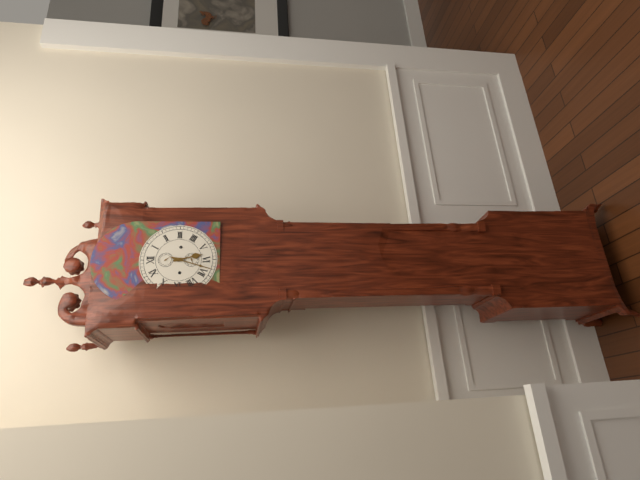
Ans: {"hour": 5, "minute": 33}
